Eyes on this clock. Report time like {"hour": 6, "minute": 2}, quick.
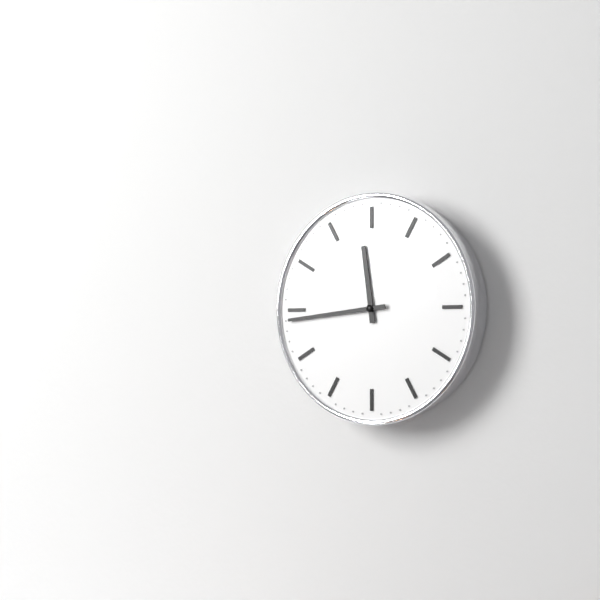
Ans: {"hour": 11, "minute": 44}
